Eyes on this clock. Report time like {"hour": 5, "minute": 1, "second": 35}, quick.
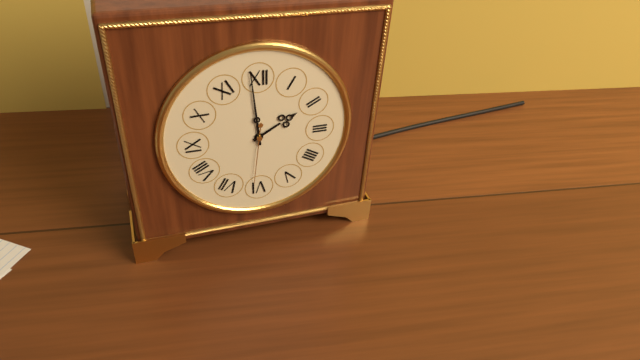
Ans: {"hour": 1, "minute": 59, "second": 31}
